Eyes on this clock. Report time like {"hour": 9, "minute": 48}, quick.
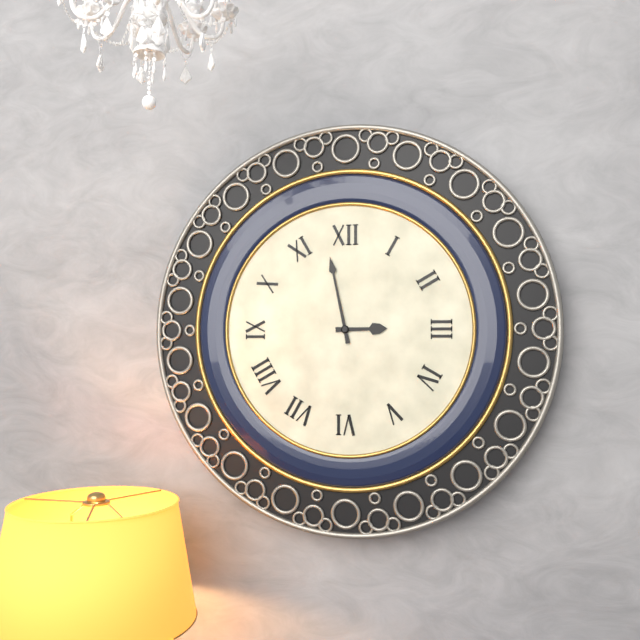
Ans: {"hour": 2, "minute": 58}
